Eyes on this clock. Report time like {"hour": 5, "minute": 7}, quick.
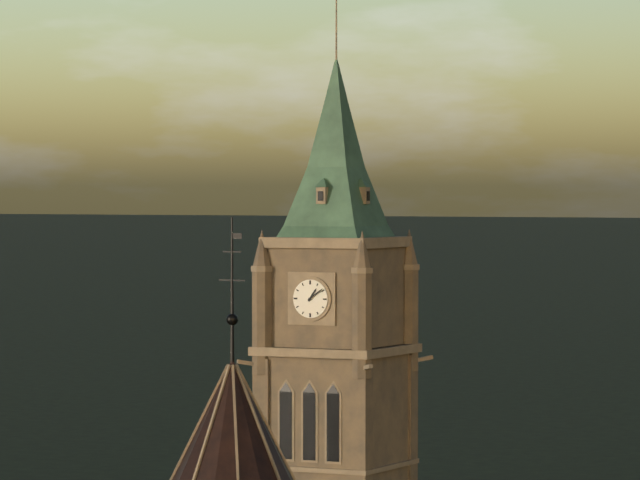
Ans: {"hour": 1, "minute": 9}
